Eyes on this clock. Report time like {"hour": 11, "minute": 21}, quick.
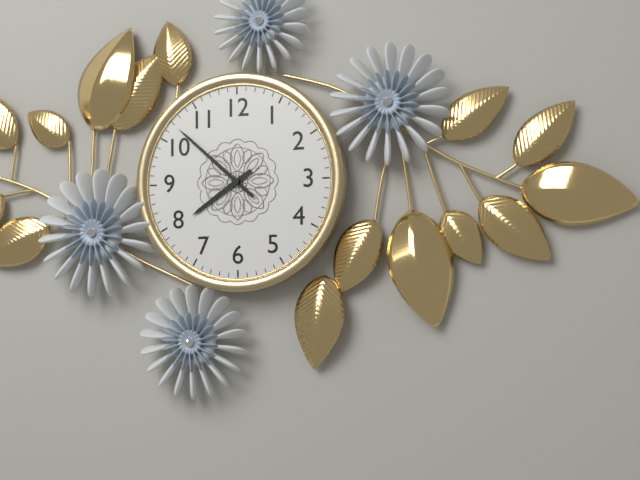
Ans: {"hour": 7, "minute": 52}
